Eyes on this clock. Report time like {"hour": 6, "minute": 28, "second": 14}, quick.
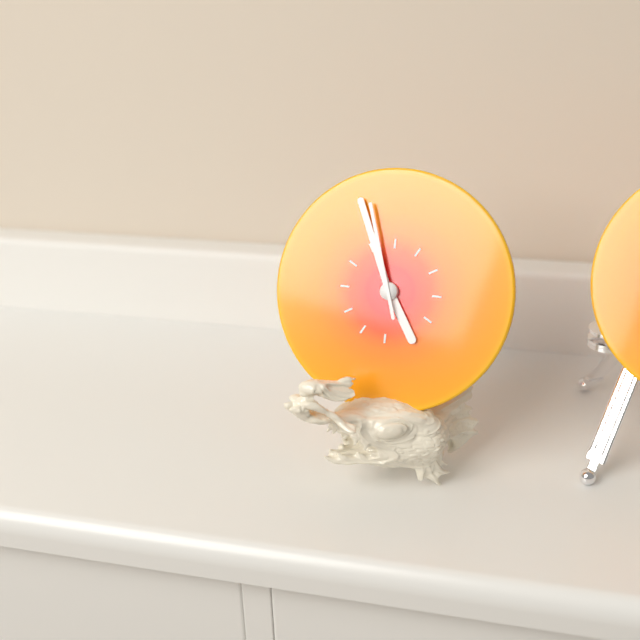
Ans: {"hour": 4, "minute": 56, "second": 57}
